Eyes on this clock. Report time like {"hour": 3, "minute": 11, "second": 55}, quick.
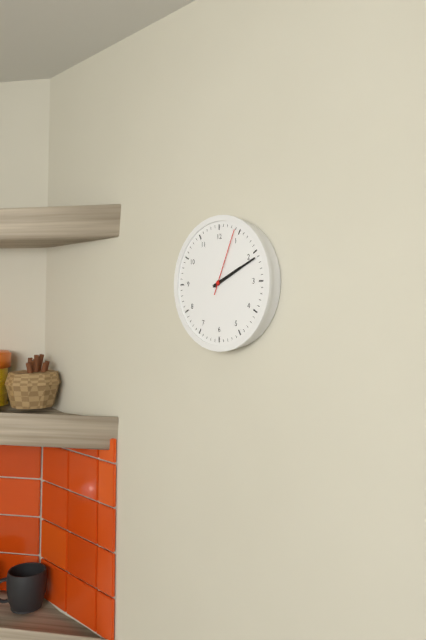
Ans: {"hour": 2, "minute": 11, "second": 4}
